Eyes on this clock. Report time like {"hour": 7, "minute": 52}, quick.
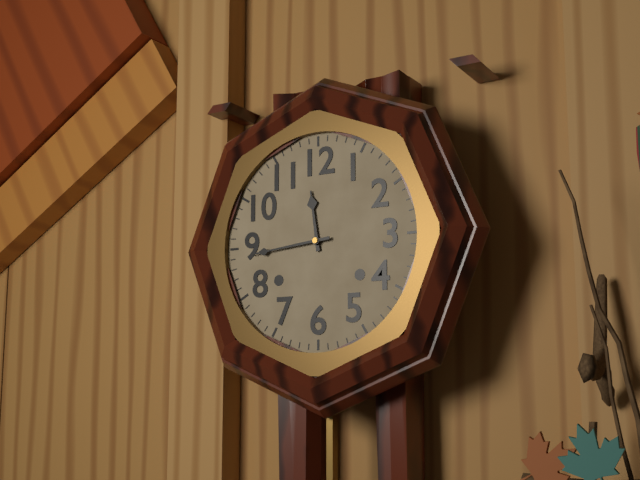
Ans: {"hour": 11, "minute": 44}
